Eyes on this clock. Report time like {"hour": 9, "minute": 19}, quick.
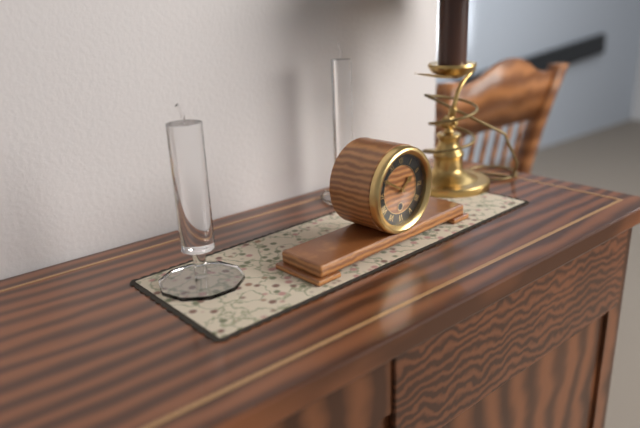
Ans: {"hour": 1, "minute": 50}
